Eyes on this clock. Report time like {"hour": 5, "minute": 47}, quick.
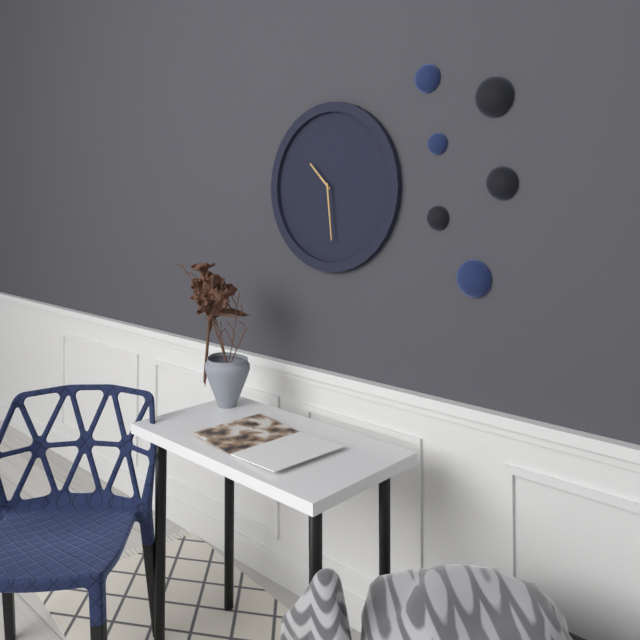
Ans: {"hour": 10, "minute": 29}
